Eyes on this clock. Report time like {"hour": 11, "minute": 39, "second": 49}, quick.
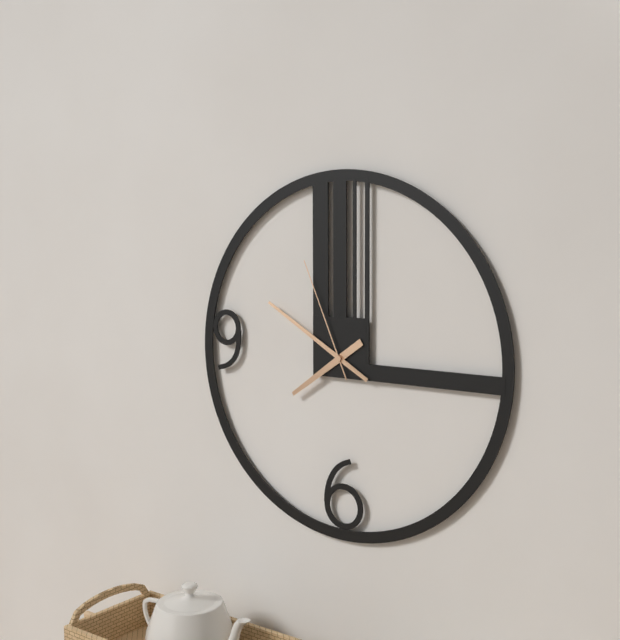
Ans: {"hour": 7, "minute": 50, "second": 56}
